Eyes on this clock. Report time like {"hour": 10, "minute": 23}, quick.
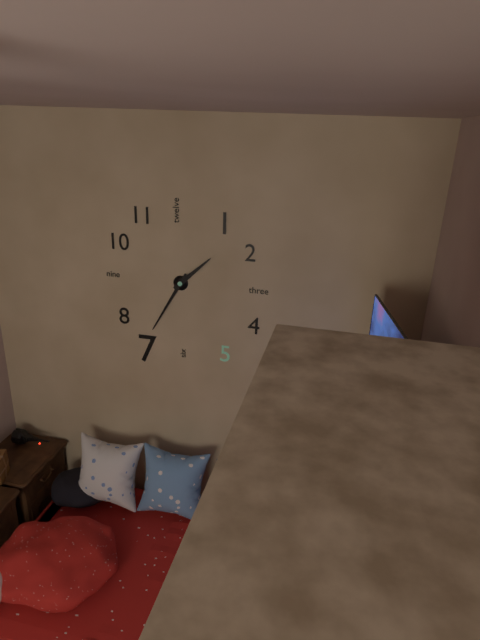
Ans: {"hour": 1, "minute": 35}
